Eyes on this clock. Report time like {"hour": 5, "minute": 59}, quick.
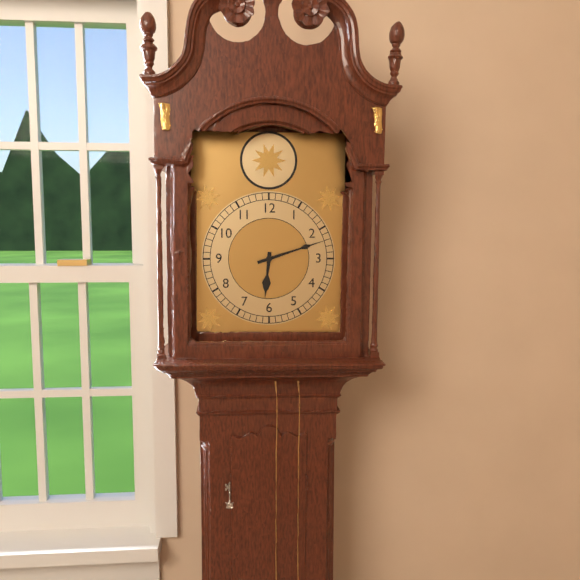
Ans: {"hour": 6, "minute": 12}
